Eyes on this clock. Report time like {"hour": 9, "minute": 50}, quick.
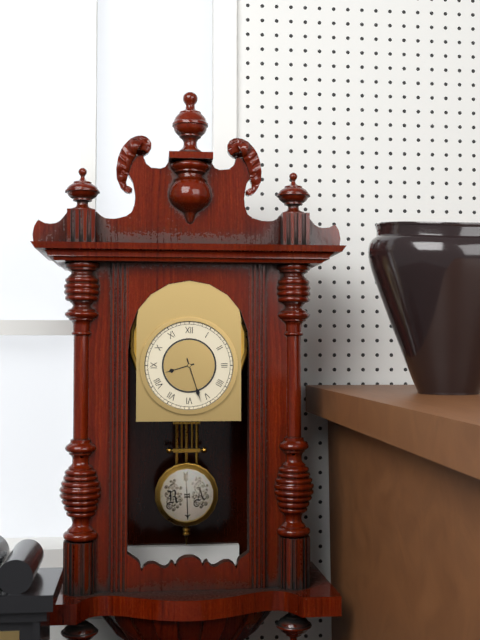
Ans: {"hour": 8, "minute": 27}
